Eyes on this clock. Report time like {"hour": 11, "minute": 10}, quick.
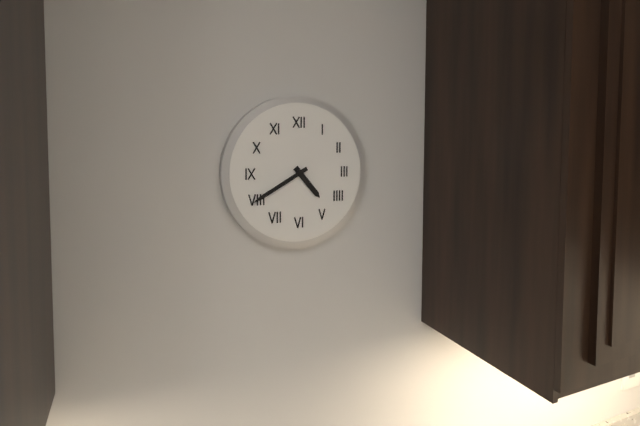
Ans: {"hour": 4, "minute": 40}
